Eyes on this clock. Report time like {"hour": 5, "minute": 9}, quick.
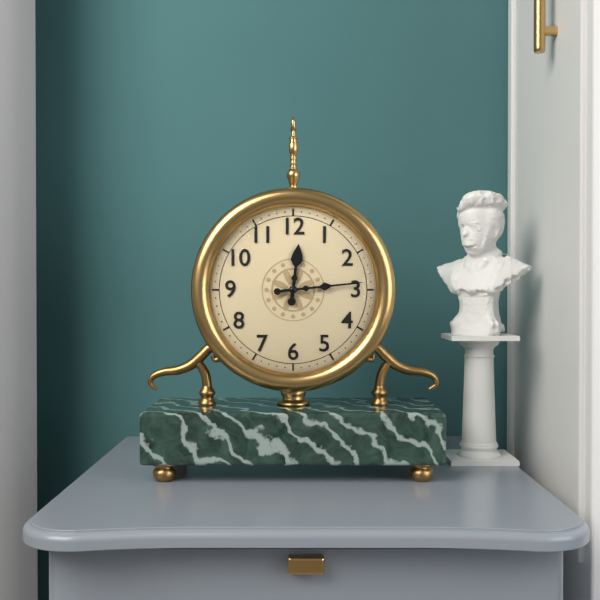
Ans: {"hour": 12, "minute": 14}
